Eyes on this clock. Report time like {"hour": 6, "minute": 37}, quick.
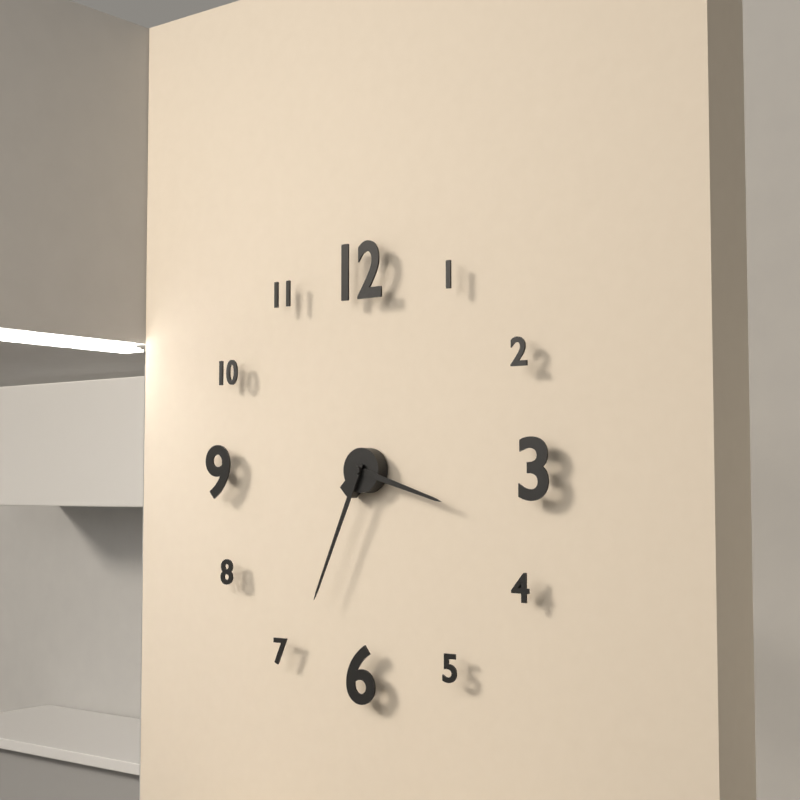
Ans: {"hour": 3, "minute": 34}
